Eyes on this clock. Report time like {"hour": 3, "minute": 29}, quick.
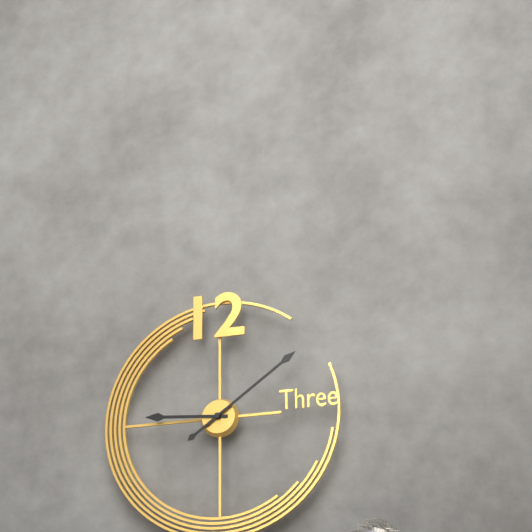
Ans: {"hour": 9, "minute": 9}
